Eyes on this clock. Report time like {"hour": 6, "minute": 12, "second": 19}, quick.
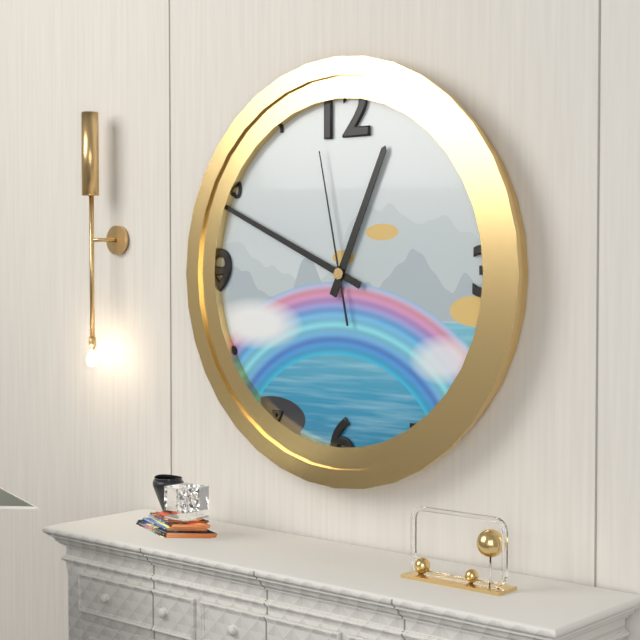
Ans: {"hour": 12, "minute": 49, "second": 58}
